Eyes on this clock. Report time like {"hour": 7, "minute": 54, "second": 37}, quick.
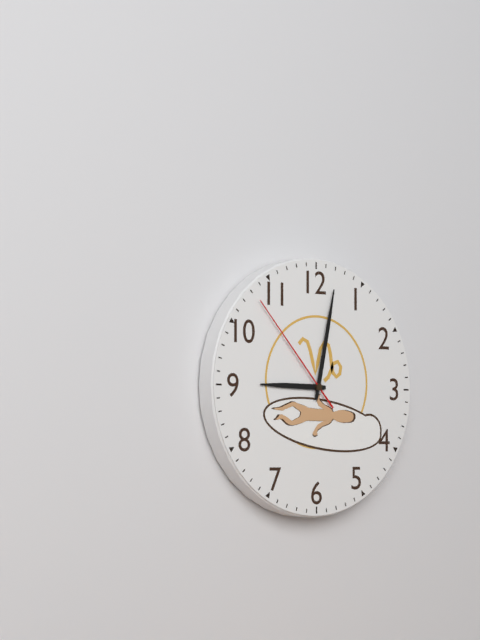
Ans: {"hour": 9, "minute": 2, "second": 53}
